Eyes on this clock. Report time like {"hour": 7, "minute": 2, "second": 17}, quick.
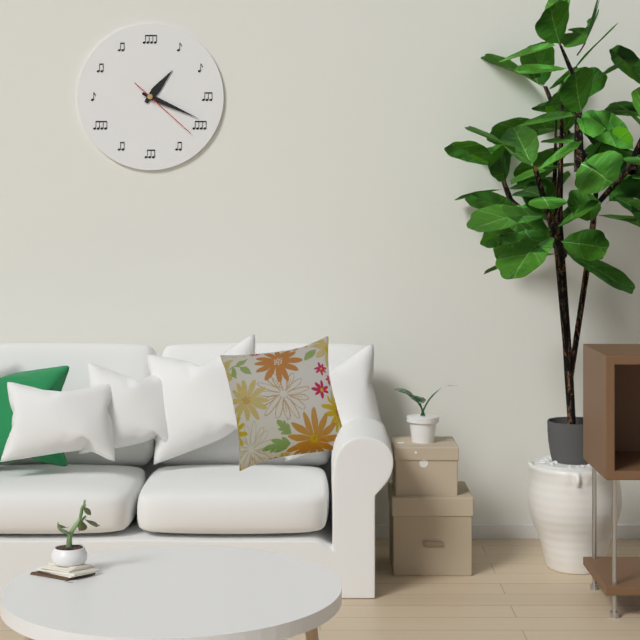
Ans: {"hour": 1, "minute": 19, "second": 22}
